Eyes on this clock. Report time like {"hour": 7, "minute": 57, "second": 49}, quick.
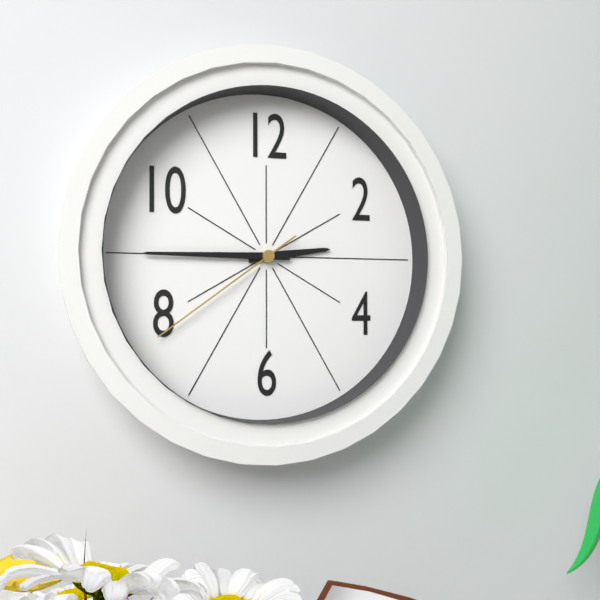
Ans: {"hour": 2, "minute": 45, "second": 39}
